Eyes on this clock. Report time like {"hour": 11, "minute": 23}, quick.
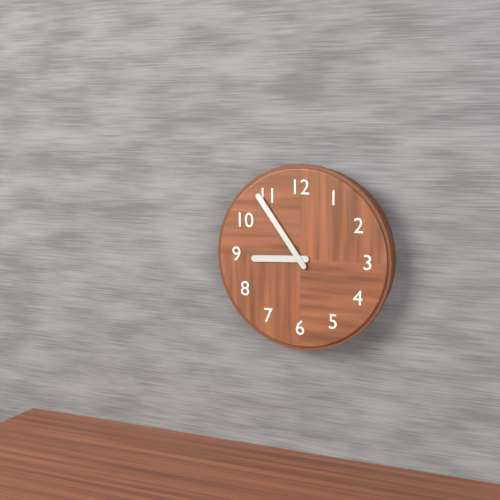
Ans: {"hour": 8, "minute": 54}
